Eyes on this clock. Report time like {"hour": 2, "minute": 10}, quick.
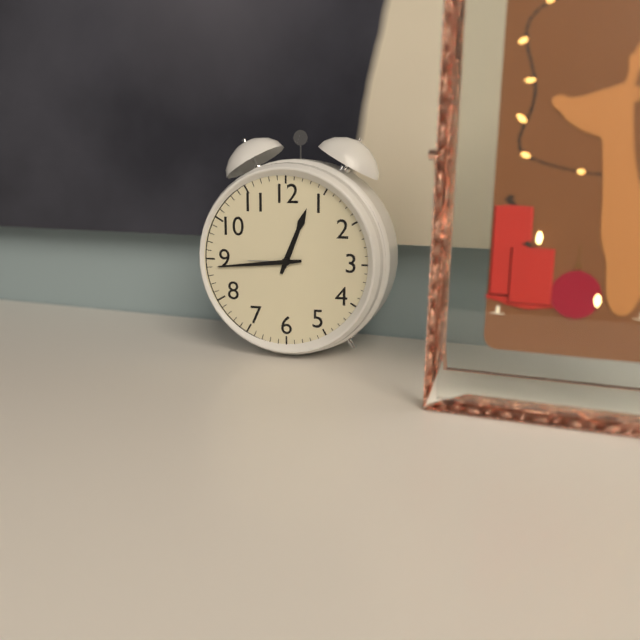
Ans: {"hour": 12, "minute": 44}
